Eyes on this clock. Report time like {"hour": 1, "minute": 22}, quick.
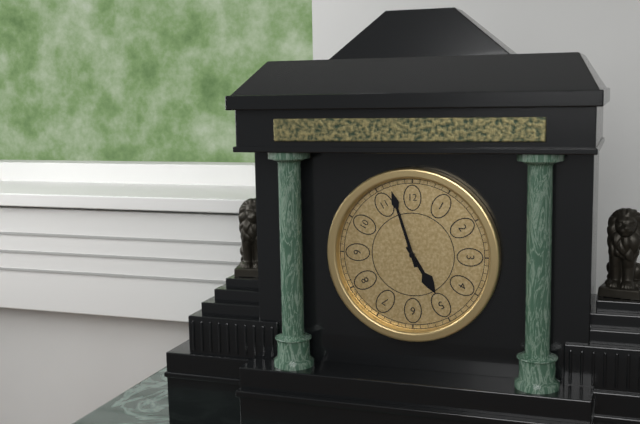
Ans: {"hour": 4, "minute": 57}
